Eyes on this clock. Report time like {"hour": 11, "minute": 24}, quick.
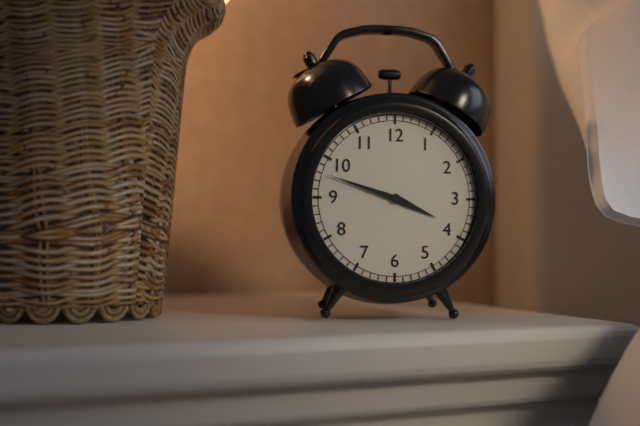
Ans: {"hour": 3, "minute": 48}
